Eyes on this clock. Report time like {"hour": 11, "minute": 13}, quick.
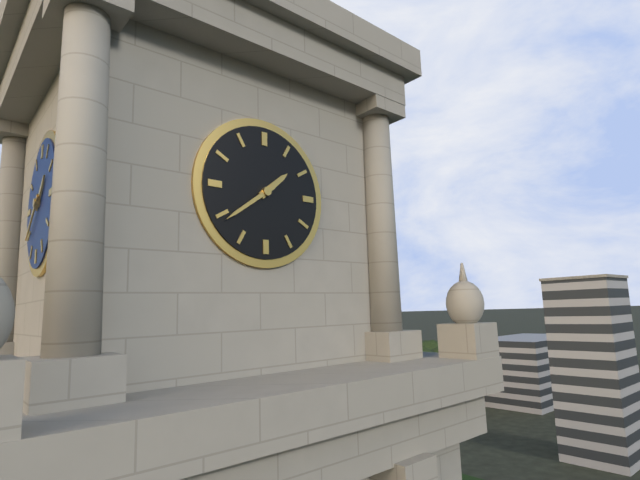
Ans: {"hour": 1, "minute": 39}
